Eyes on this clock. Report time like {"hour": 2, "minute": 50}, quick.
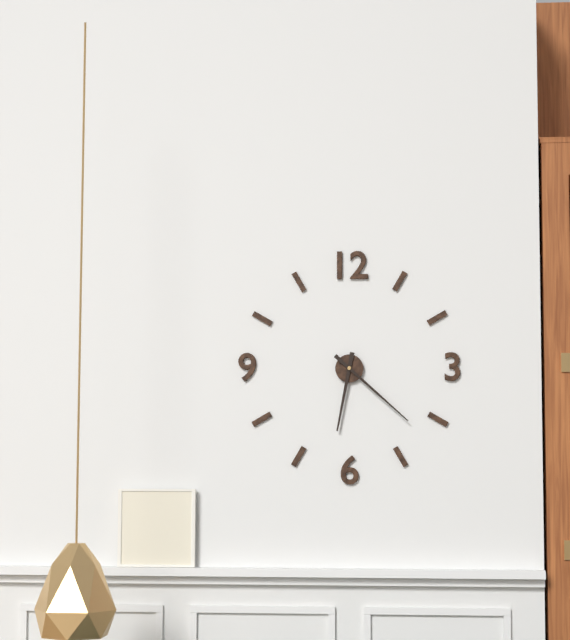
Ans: {"hour": 6, "minute": 22}
